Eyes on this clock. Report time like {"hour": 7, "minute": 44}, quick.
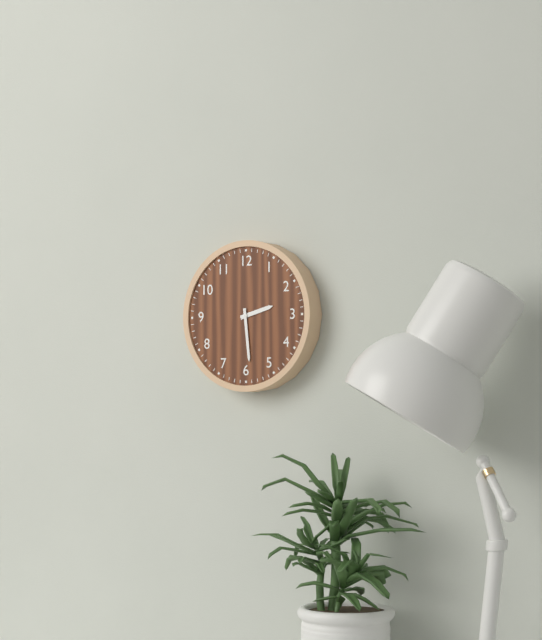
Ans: {"hour": 2, "minute": 29}
